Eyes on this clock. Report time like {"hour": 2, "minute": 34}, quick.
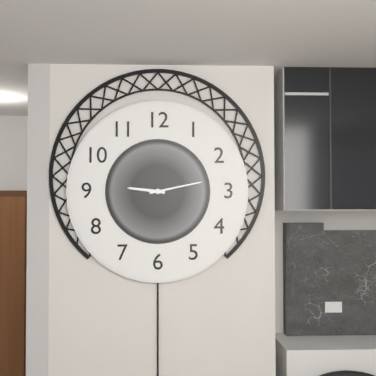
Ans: {"hour": 9, "minute": 13}
